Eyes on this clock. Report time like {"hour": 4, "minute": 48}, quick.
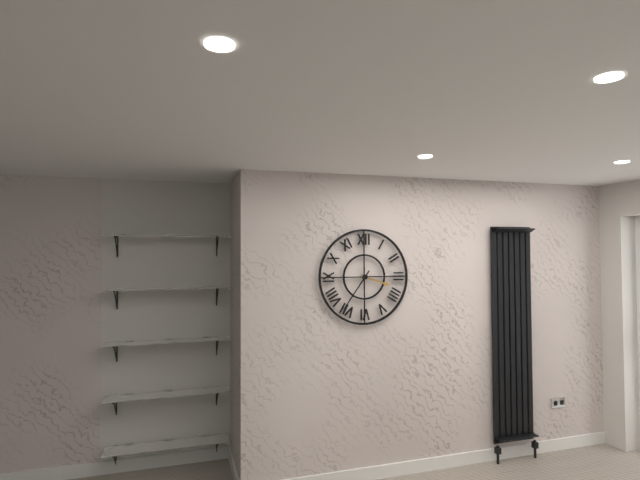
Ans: {"hour": 3, "minute": 36}
